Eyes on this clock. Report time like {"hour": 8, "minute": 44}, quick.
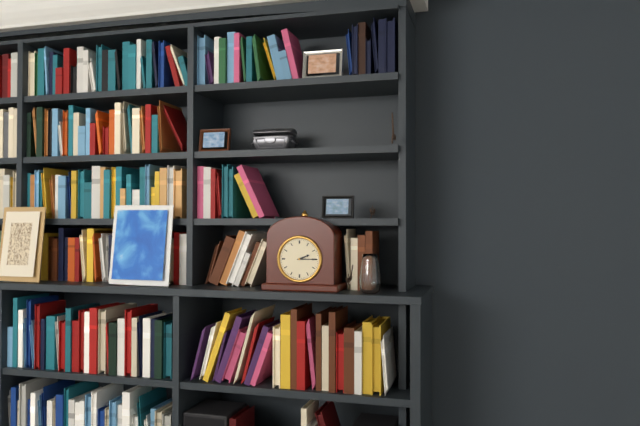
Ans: {"hour": 2, "minute": 15}
